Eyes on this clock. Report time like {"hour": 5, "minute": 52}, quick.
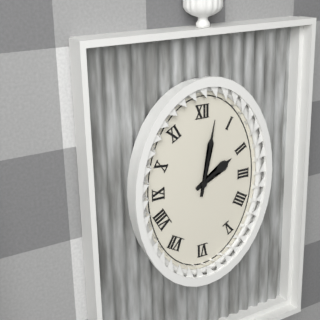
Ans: {"hour": 2, "minute": 2}
